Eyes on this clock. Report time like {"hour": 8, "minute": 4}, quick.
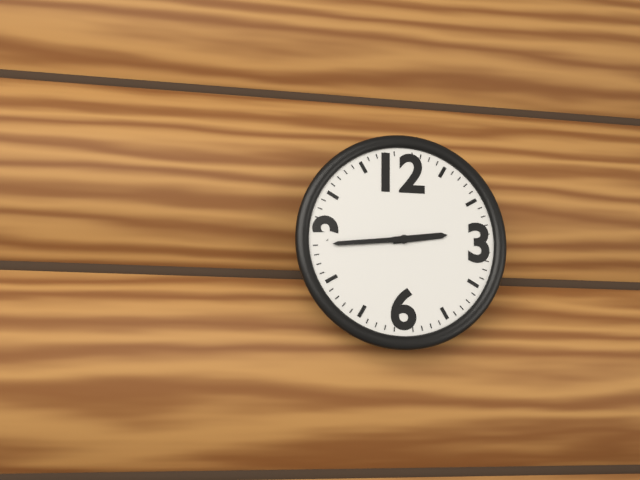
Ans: {"hour": 2, "minute": 44}
